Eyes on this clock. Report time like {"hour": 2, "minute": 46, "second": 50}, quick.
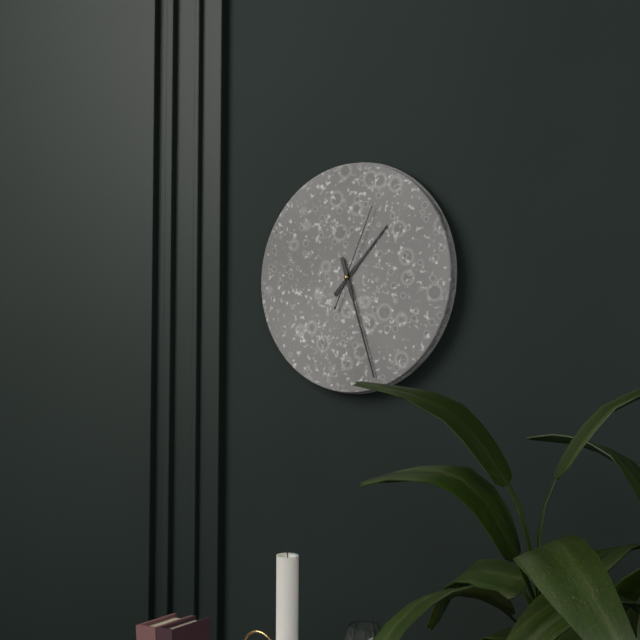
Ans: {"hour": 1, "minute": 27, "second": 4}
